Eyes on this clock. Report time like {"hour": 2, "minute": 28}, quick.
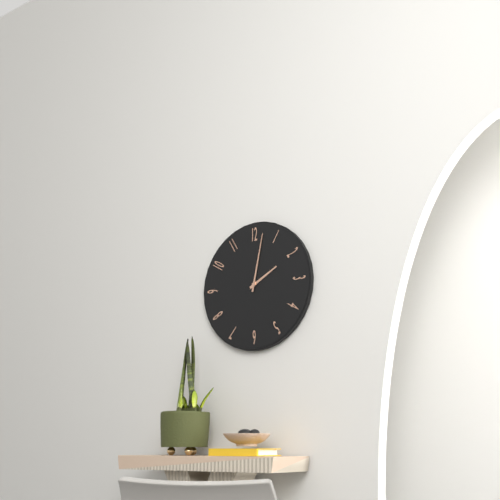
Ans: {"hour": 2, "minute": 2}
